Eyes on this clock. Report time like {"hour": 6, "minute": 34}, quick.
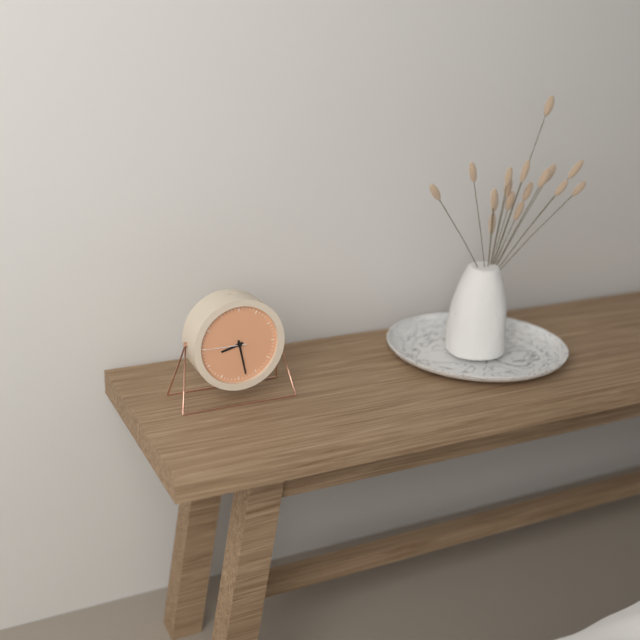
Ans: {"hour": 8, "minute": 28}
